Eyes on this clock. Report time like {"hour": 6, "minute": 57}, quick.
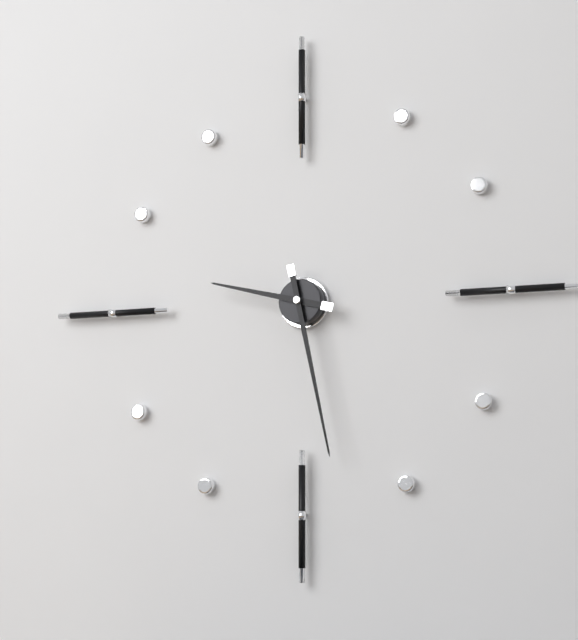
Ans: {"hour": 9, "minute": 28}
